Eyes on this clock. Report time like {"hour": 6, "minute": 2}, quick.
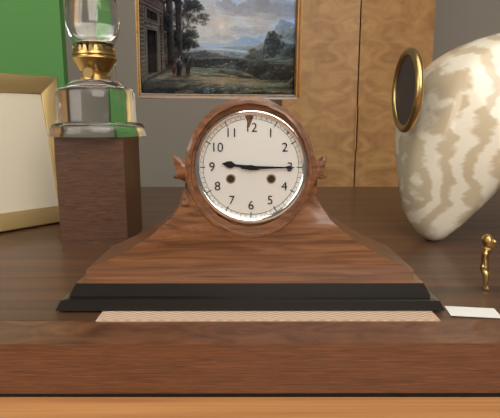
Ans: {"hour": 9, "minute": 15}
